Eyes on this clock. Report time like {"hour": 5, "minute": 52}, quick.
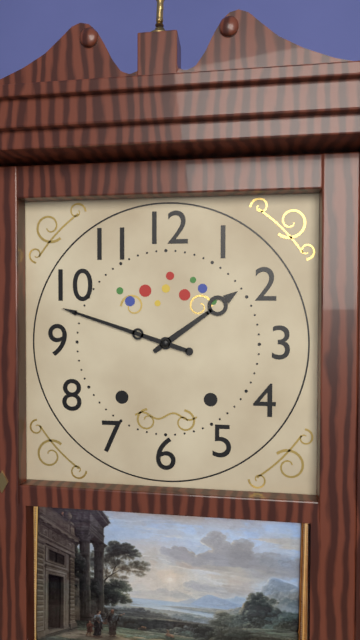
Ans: {"hour": 1, "minute": 48}
